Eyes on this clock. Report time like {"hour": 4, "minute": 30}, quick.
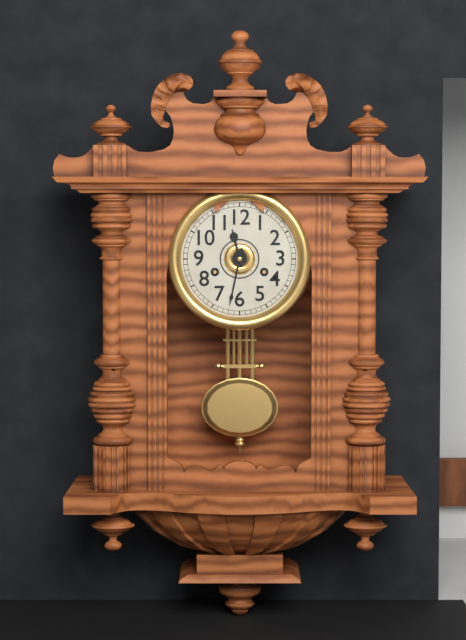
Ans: {"hour": 11, "minute": 32}
